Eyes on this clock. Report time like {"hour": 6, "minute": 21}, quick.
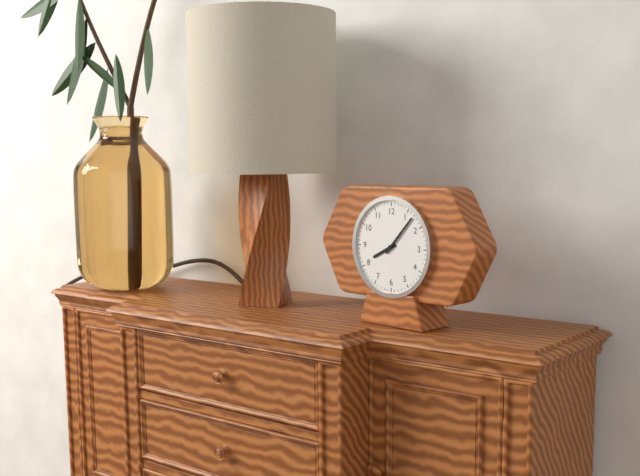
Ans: {"hour": 8, "minute": 7}
